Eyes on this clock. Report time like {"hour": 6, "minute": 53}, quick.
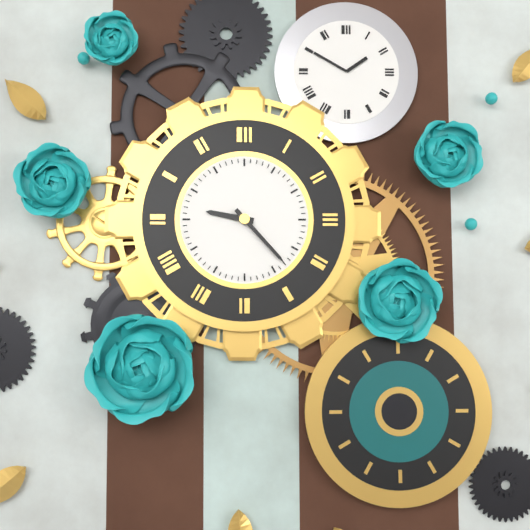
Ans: {"hour": 9, "minute": 23}
